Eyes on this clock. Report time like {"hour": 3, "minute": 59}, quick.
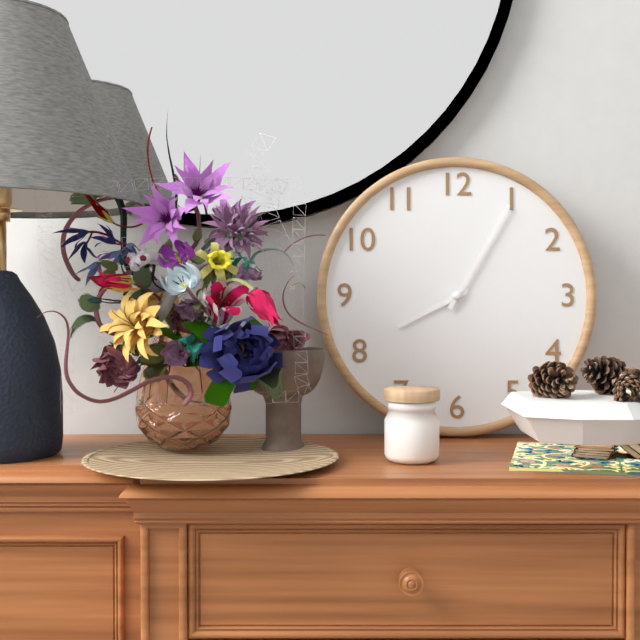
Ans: {"hour": 8, "minute": 5}
